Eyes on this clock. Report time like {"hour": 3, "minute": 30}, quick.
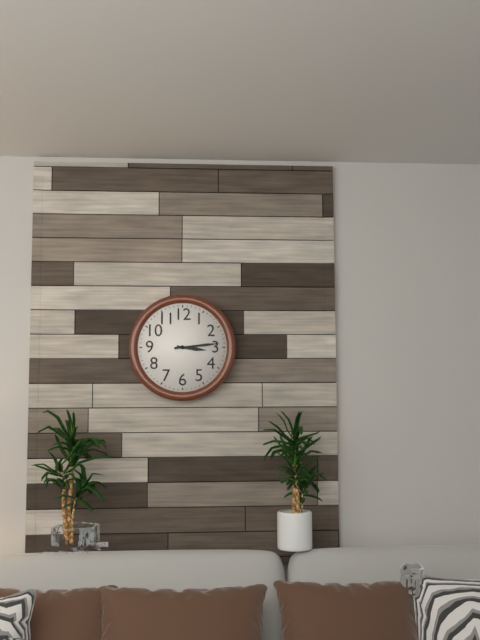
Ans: {"hour": 3, "minute": 14}
